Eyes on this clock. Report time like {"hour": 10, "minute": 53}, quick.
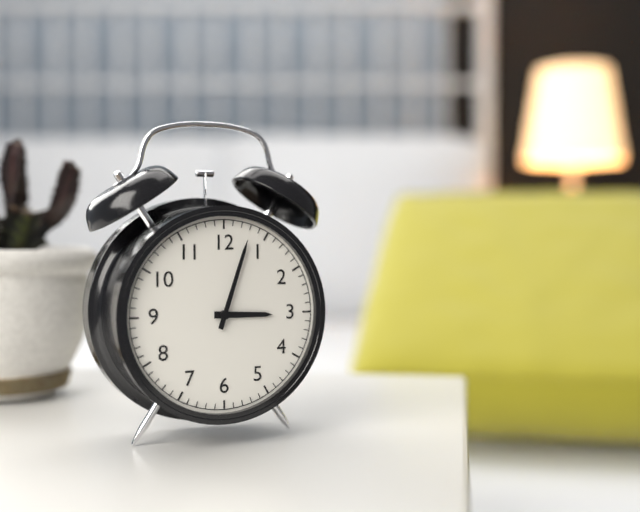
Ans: {"hour": 3, "minute": 3}
